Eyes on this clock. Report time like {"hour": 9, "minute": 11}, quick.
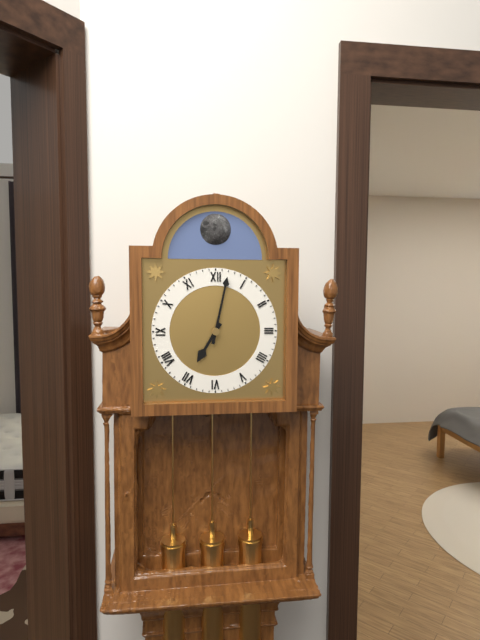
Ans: {"hour": 7, "minute": 2}
